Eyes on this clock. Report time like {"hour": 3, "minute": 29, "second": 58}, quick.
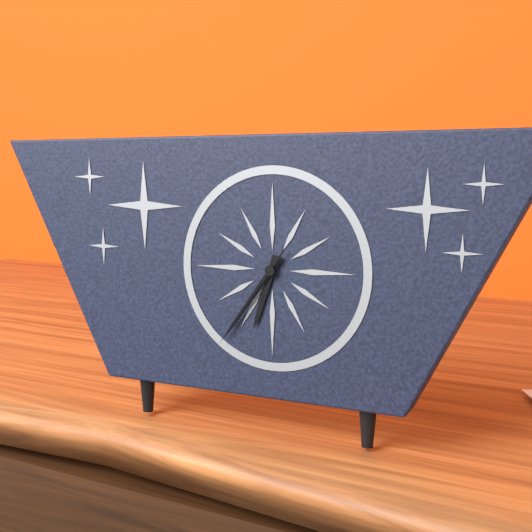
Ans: {"hour": 6, "minute": 36, "second": 36}
